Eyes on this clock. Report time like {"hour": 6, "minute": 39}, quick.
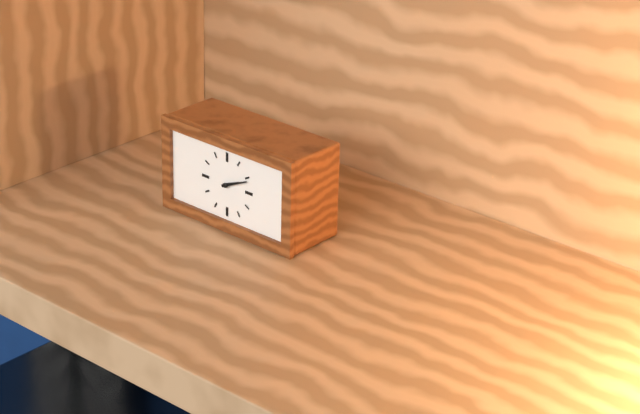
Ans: {"hour": 2, "minute": 11}
